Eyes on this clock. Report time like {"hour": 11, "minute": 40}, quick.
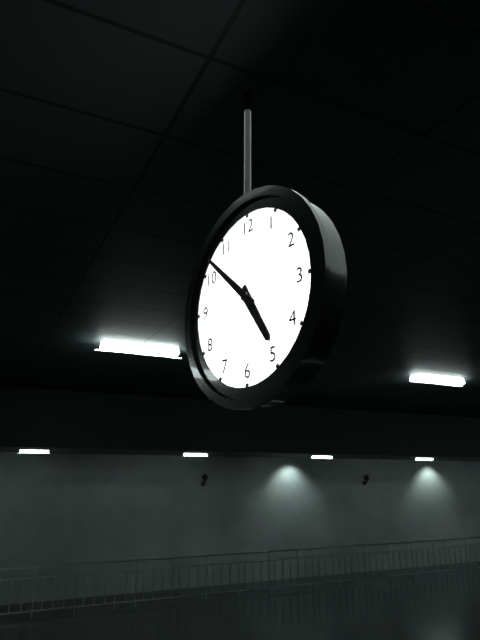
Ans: {"hour": 4, "minute": 52}
